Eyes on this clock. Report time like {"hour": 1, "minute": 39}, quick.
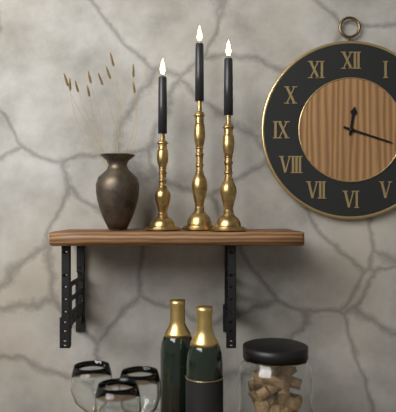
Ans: {"hour": 12, "minute": 18}
